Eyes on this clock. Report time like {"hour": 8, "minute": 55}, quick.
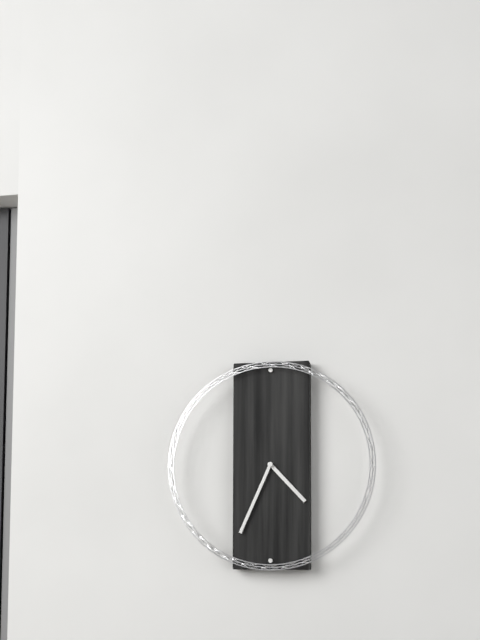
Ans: {"hour": 4, "minute": 34}
